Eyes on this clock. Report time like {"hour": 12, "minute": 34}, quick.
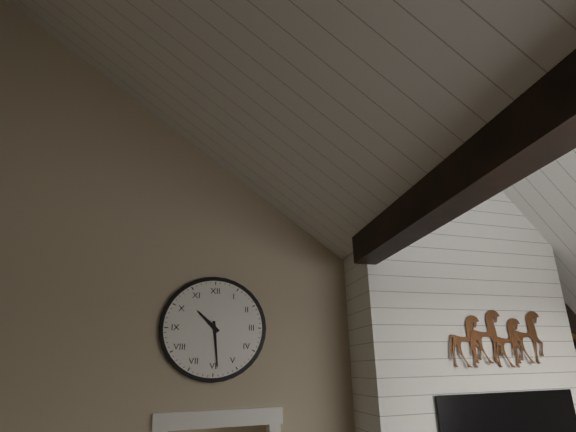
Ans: {"hour": 10, "minute": 29}
